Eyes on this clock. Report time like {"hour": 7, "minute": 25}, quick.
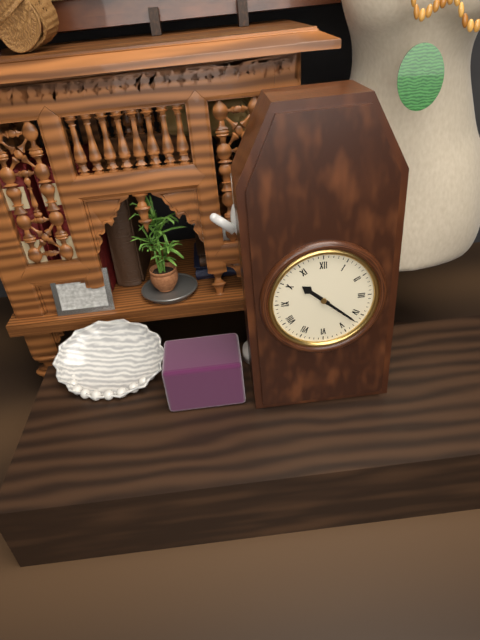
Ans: {"hour": 10, "minute": 22}
